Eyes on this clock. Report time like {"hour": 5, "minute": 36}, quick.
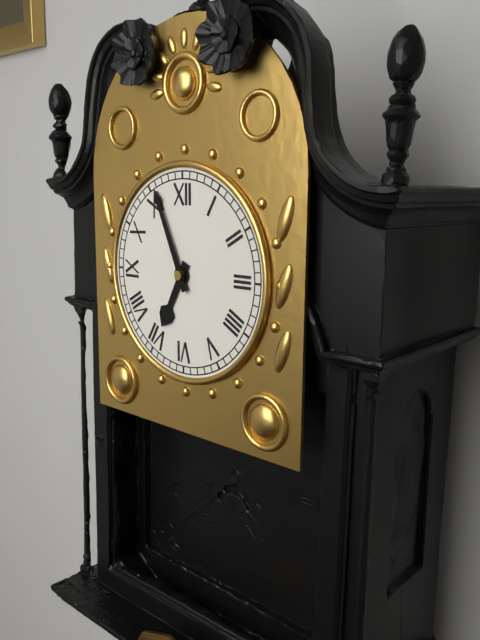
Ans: {"hour": 6, "minute": 56}
